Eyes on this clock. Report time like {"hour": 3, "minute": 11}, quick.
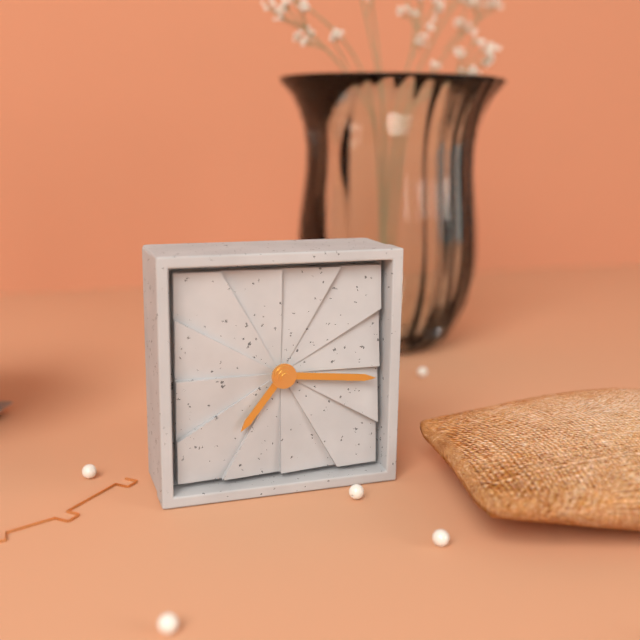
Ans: {"hour": 7, "minute": 16}
